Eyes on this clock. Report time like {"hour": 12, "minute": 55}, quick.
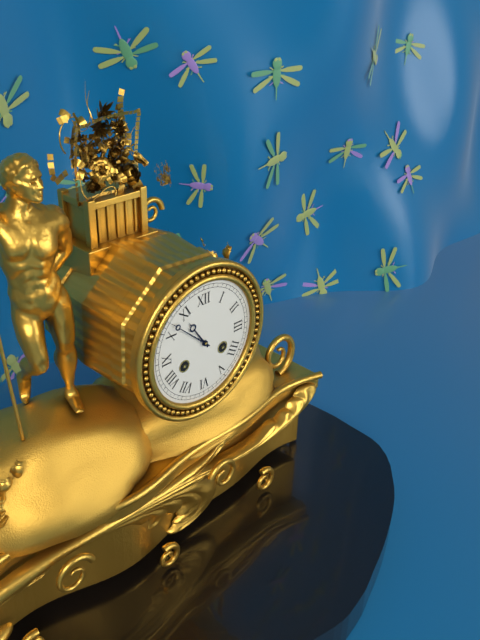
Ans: {"hour": 10, "minute": 52}
